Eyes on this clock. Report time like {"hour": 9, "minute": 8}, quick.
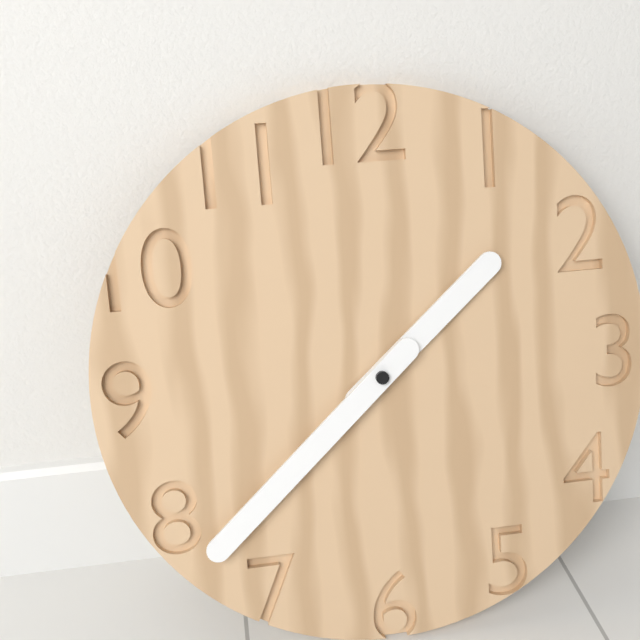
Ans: {"hour": 1, "minute": 38}
